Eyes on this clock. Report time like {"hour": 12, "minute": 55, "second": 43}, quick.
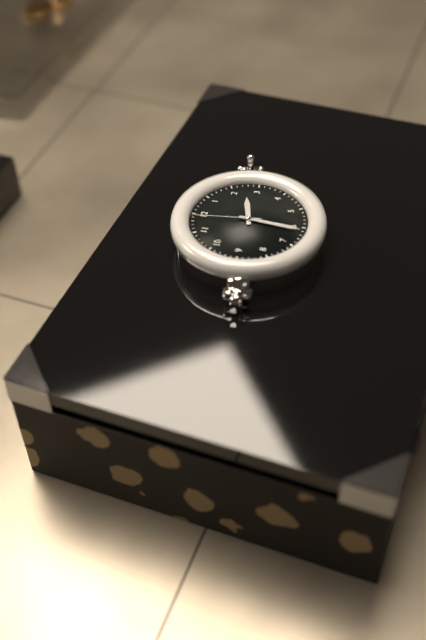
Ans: {"hour": 2, "minute": 31, "second": 59}
